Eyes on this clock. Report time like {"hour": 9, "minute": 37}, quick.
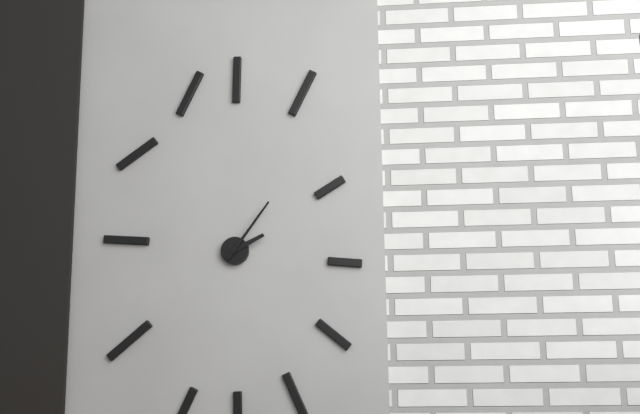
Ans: {"hour": 2, "minute": 6}
